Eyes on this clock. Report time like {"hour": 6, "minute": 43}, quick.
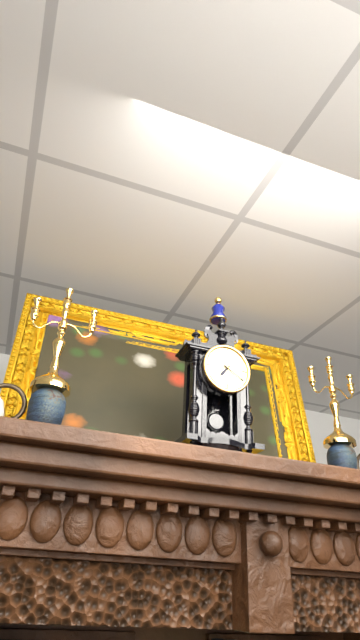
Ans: {"hour": 7, "minute": 20}
